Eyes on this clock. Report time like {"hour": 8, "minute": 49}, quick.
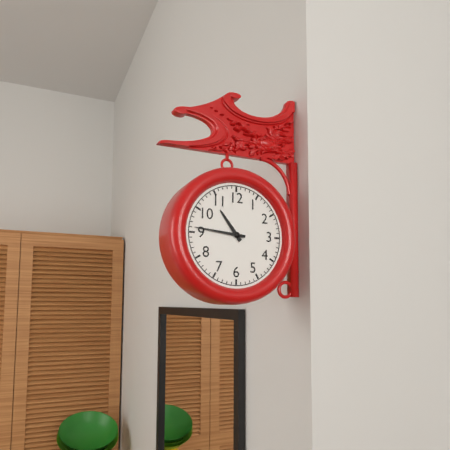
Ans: {"hour": 10, "minute": 46}
